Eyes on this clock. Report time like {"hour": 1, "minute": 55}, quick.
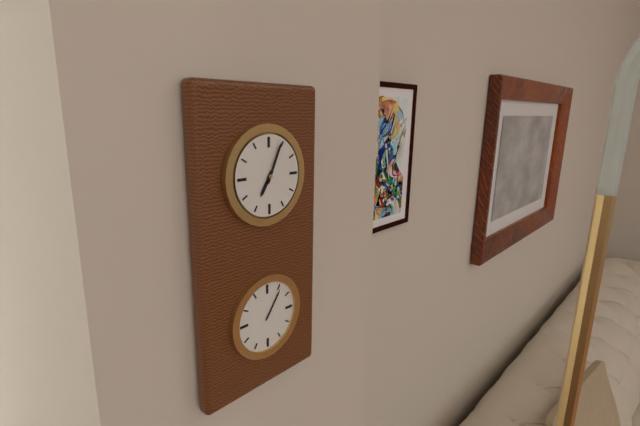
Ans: {"hour": 7, "minute": 4}
